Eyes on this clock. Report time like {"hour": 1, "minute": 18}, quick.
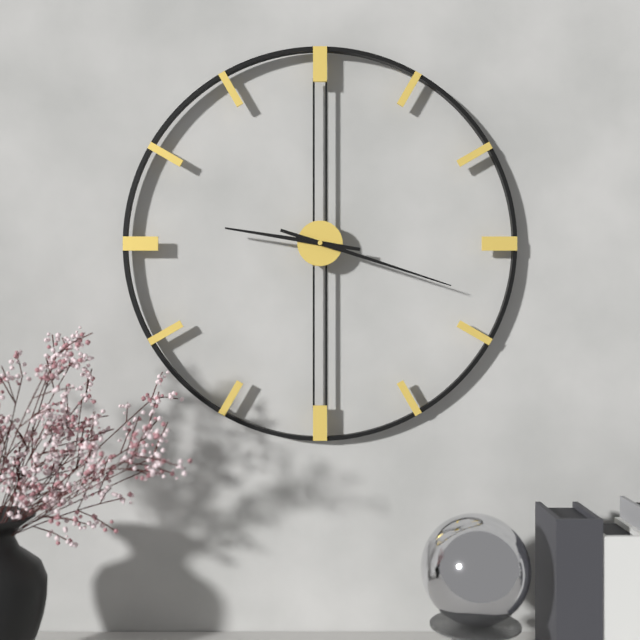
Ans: {"hour": 9, "minute": 18}
